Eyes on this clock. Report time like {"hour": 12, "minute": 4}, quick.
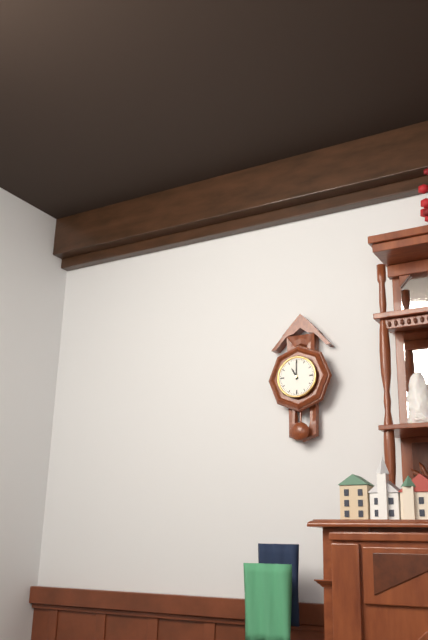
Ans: {"hour": 11, "minute": 0}
